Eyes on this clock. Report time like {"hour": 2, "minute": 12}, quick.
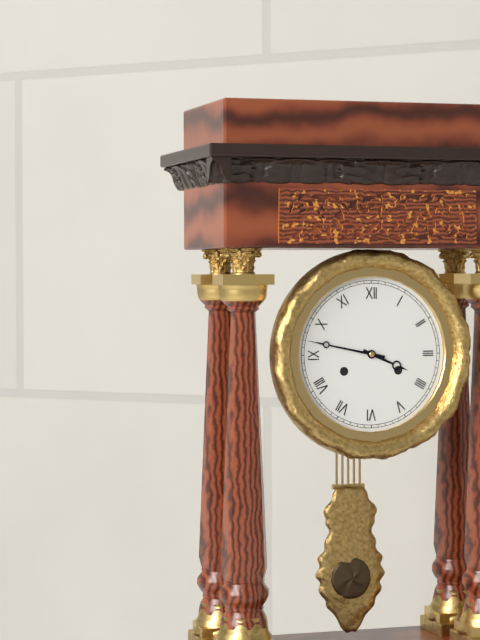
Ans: {"hour": 3, "minute": 47}
